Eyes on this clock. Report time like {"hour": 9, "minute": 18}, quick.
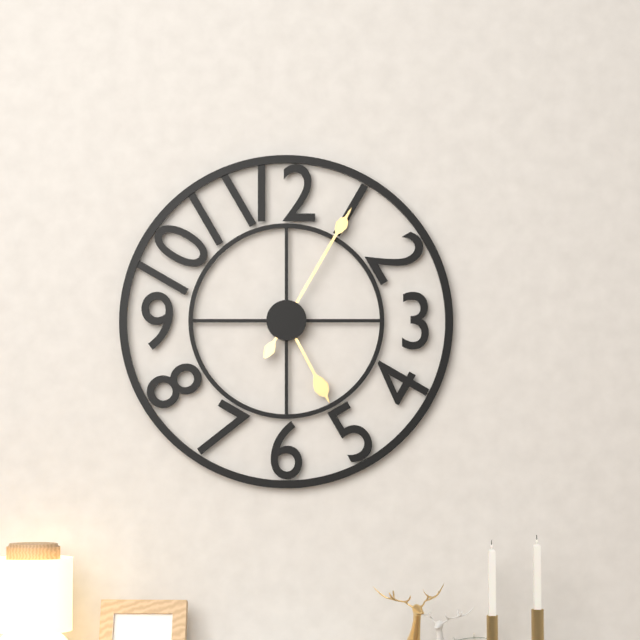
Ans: {"hour": 5, "minute": 5}
